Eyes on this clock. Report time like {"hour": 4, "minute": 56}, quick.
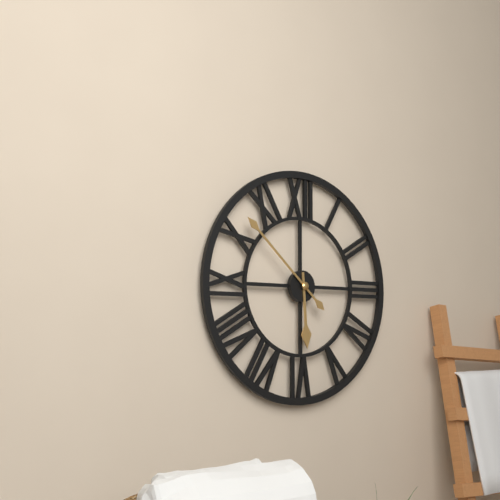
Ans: {"hour": 5, "minute": 52}
